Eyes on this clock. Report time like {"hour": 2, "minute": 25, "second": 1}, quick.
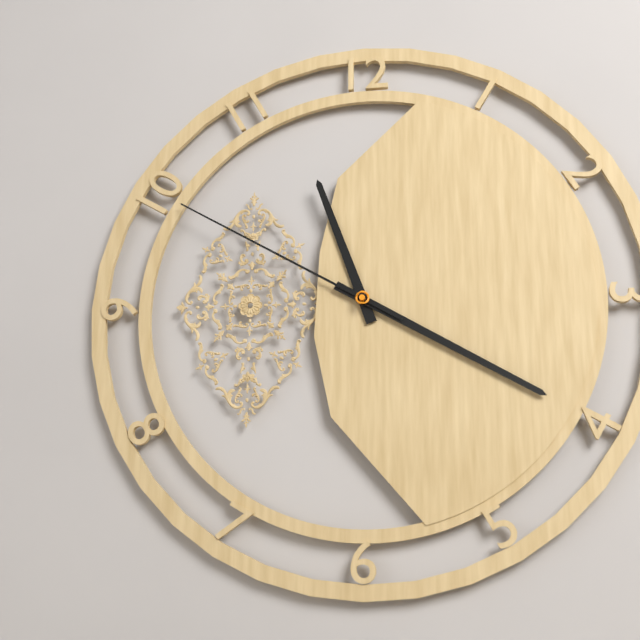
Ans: {"hour": 11, "minute": 20, "second": 50}
